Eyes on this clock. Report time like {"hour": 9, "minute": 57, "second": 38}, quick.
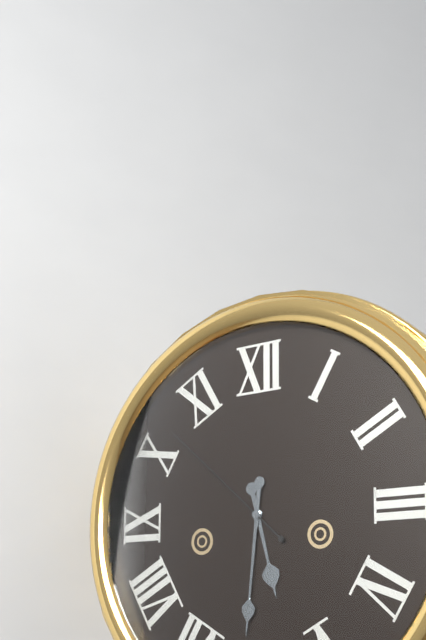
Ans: {"hour": 5, "minute": 31, "second": 52}
